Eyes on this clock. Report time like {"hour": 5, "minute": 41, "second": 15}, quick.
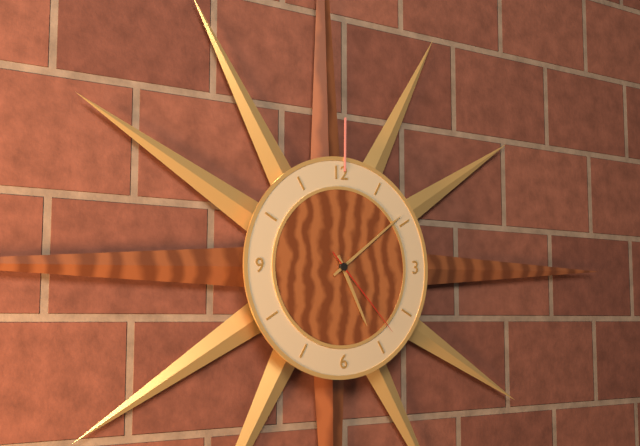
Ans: {"hour": 5, "minute": 9, "second": 23}
